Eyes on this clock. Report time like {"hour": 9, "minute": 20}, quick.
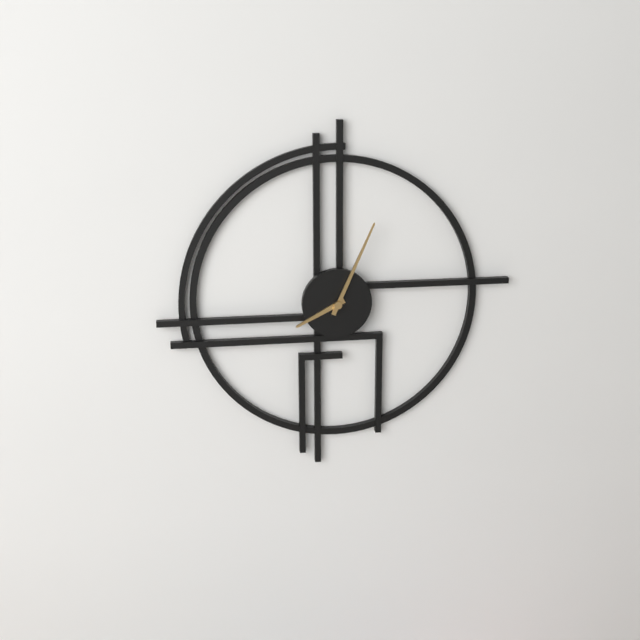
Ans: {"hour": 8, "minute": 4}
